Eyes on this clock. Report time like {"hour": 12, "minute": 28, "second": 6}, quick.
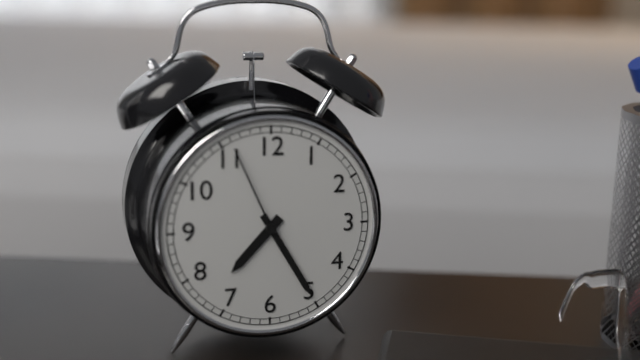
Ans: {"hour": 7, "minute": 25, "second": 56}
